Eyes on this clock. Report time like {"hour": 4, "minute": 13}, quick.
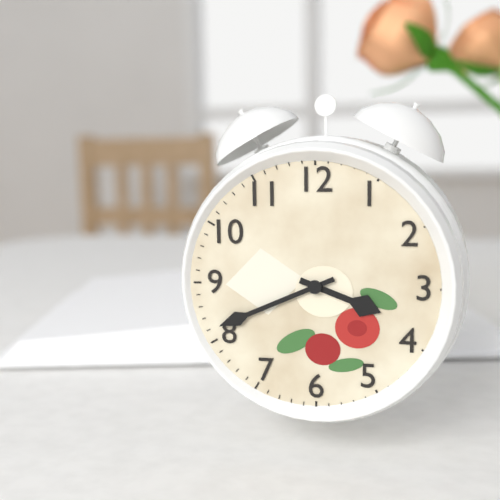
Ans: {"hour": 3, "minute": 41}
